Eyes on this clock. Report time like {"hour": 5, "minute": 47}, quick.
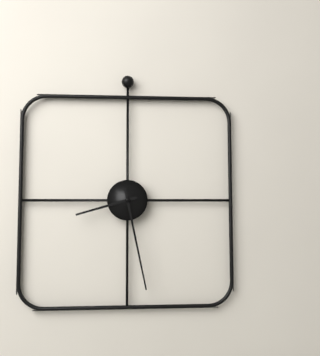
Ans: {"hour": 8, "minute": 28}
